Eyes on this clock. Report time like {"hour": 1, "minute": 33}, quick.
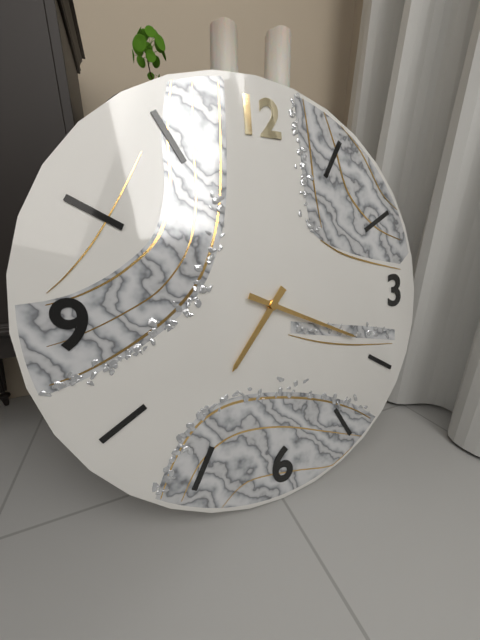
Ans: {"hour": 7, "minute": 19}
